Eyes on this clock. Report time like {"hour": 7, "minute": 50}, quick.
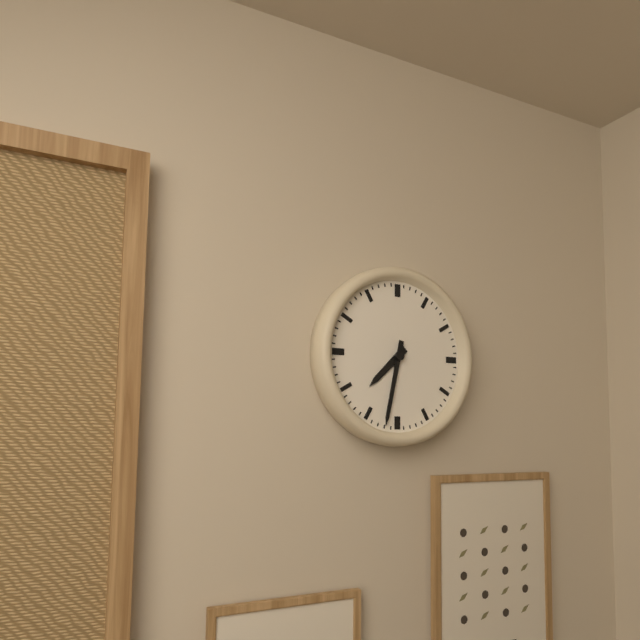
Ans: {"hour": 7, "minute": 32}
